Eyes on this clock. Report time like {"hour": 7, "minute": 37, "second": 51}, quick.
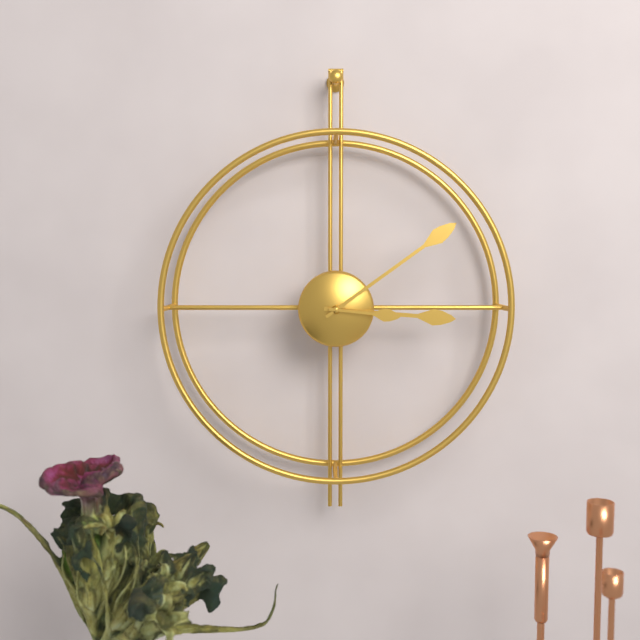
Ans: {"hour": 3, "minute": 9, "second": 16}
